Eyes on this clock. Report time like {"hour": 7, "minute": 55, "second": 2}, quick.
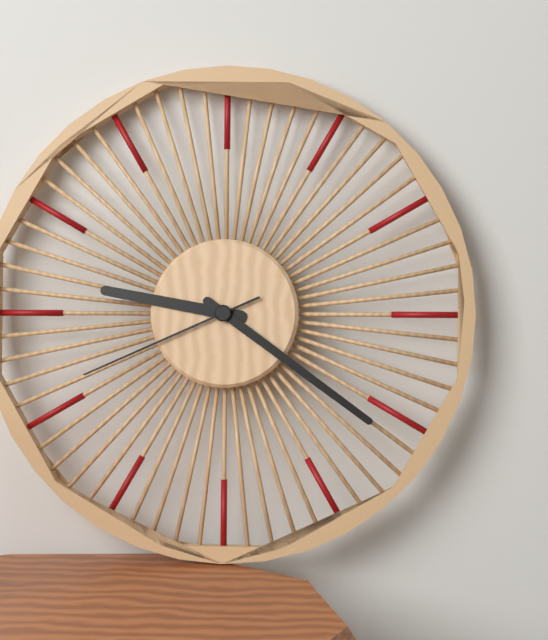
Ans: {"hour": 9, "minute": 21, "second": 41}
